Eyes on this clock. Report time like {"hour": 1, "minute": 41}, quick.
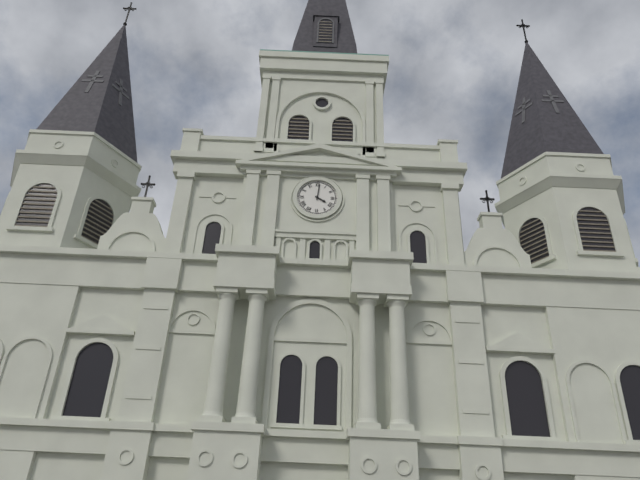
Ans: {"hour": 4, "minute": 1}
